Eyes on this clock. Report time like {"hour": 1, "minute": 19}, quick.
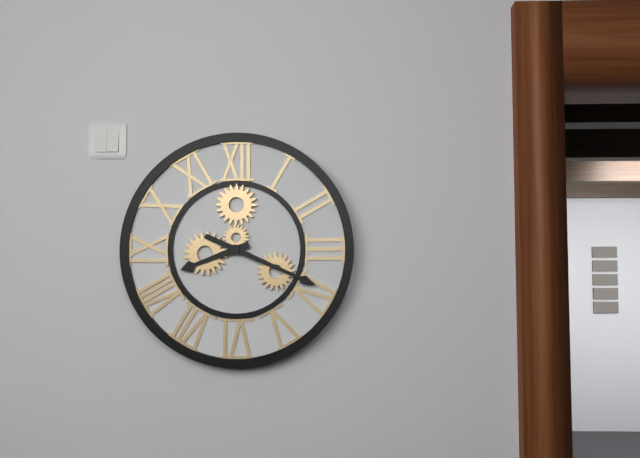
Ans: {"hour": 8, "minute": 19}
